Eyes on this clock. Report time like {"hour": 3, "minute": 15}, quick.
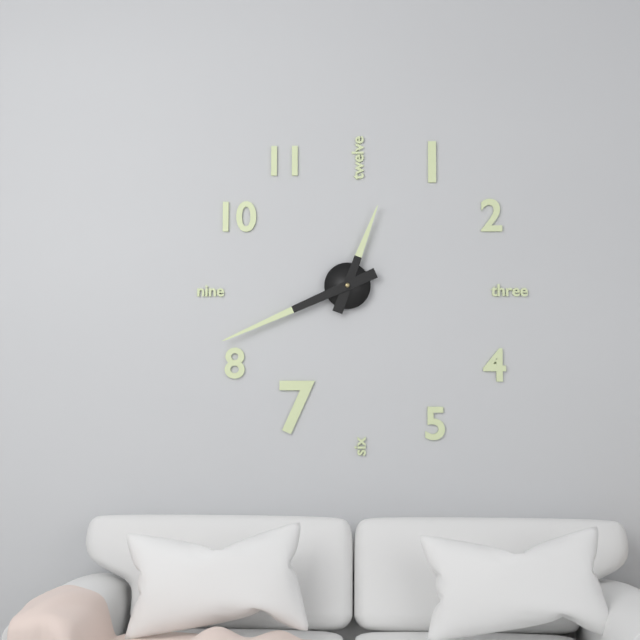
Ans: {"hour": 12, "minute": 41}
